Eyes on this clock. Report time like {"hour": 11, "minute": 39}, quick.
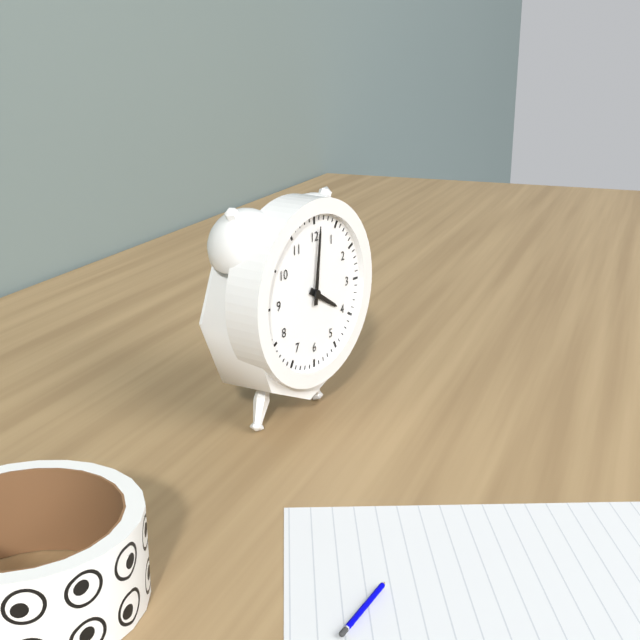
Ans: {"hour": 4, "minute": 1}
